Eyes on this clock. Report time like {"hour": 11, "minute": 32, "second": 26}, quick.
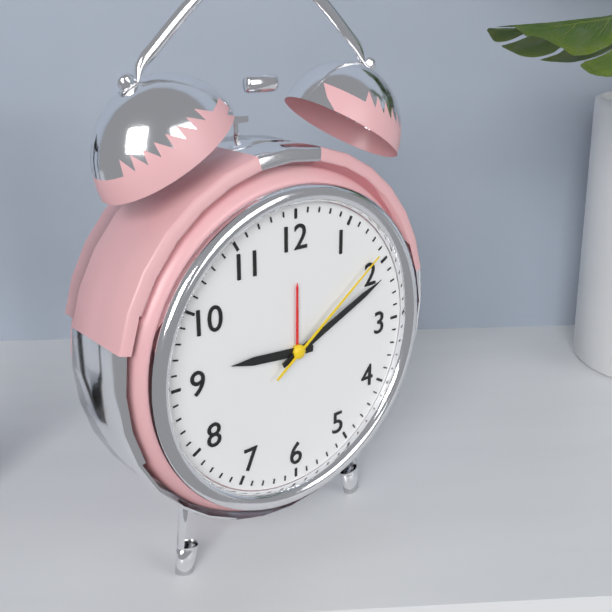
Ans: {"hour": 9, "minute": 11, "second": 9}
